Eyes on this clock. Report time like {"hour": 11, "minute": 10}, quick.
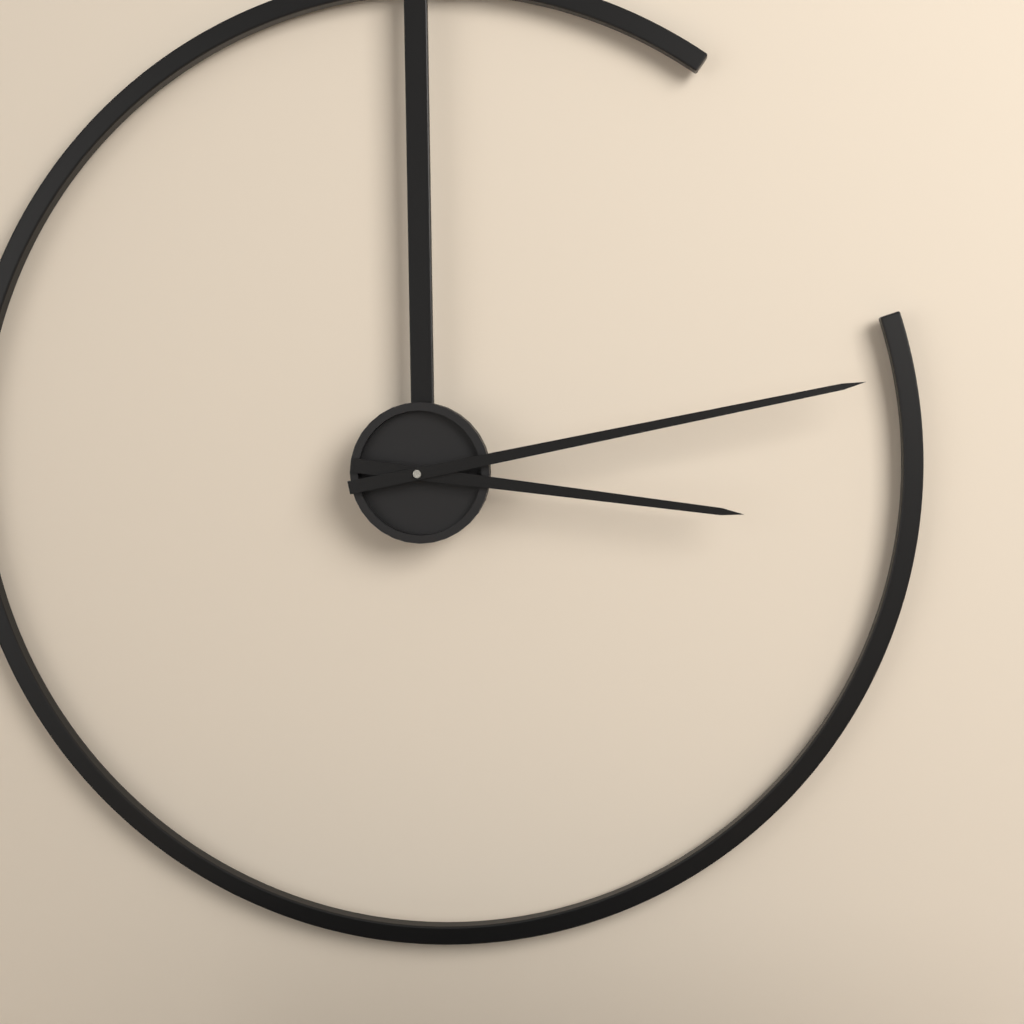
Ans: {"hour": 3, "minute": 13}
